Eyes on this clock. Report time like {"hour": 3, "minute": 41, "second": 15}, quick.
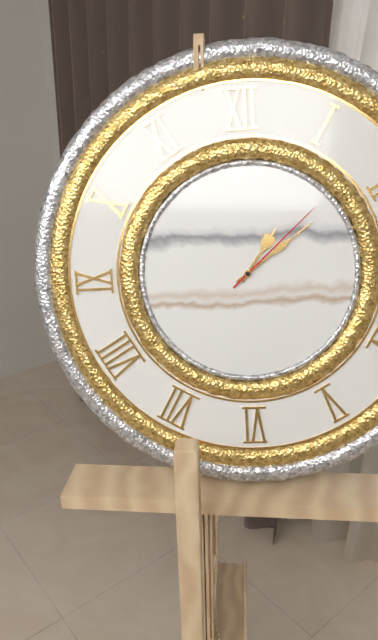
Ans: {"hour": 1, "minute": 9, "second": 8}
